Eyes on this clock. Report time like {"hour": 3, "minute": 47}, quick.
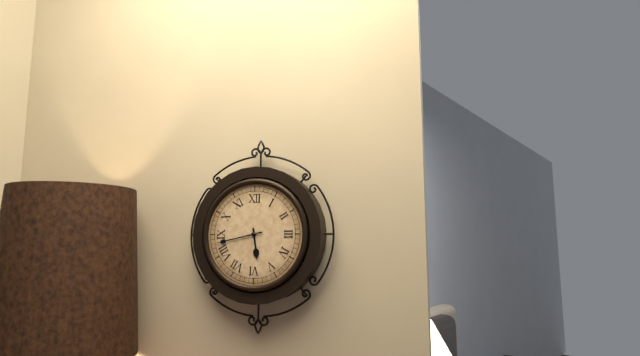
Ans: {"hour": 5, "minute": 43}
